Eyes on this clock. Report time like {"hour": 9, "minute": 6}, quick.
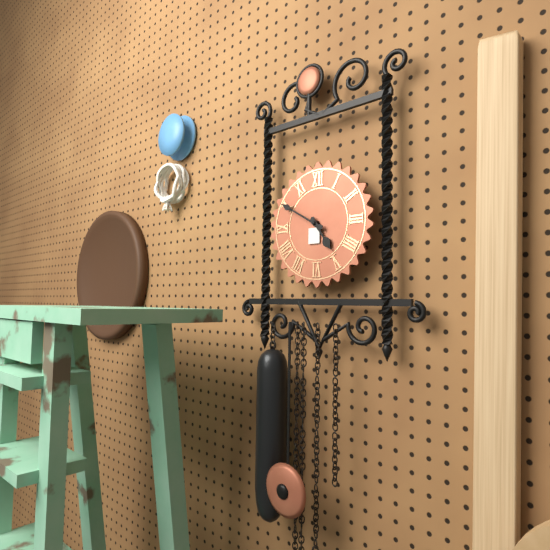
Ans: {"hour": 4, "minute": 50}
